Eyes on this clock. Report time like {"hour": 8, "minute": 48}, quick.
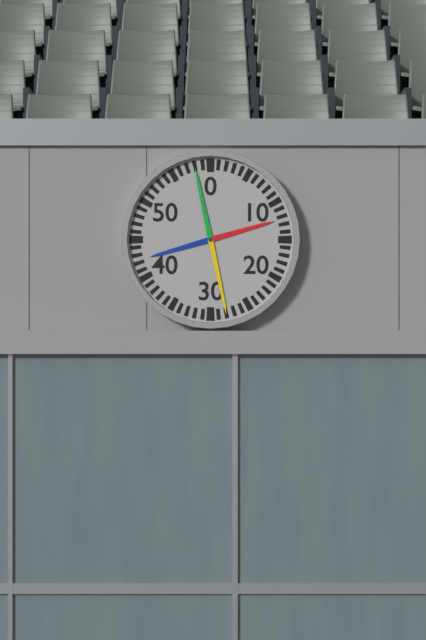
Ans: {"hour": 2, "minute": 28}
